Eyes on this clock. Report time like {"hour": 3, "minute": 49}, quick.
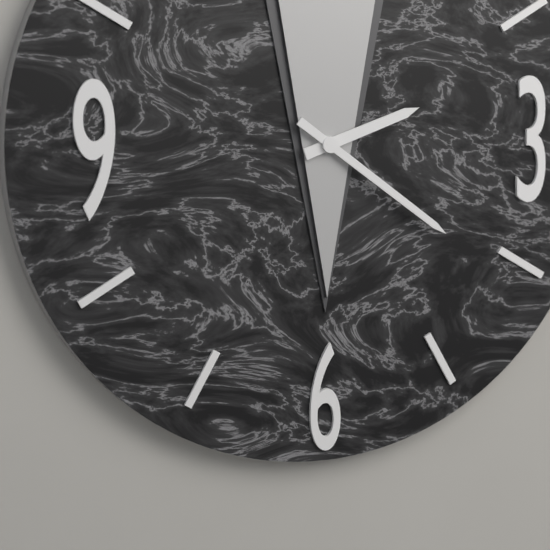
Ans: {"hour": 2, "minute": 21}
